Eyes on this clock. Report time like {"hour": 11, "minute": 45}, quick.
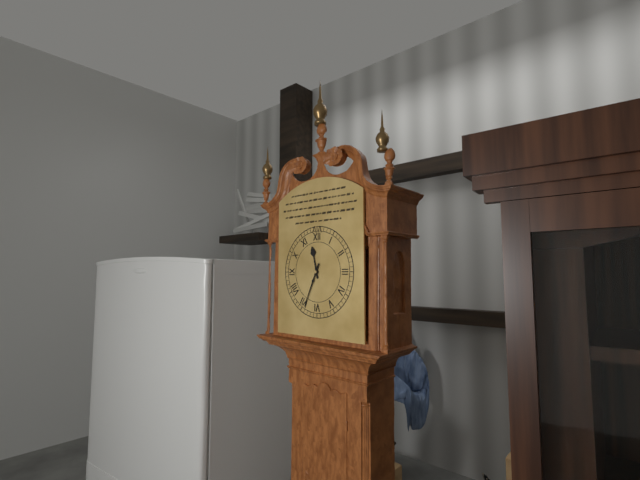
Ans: {"hour": 11, "minute": 34}
